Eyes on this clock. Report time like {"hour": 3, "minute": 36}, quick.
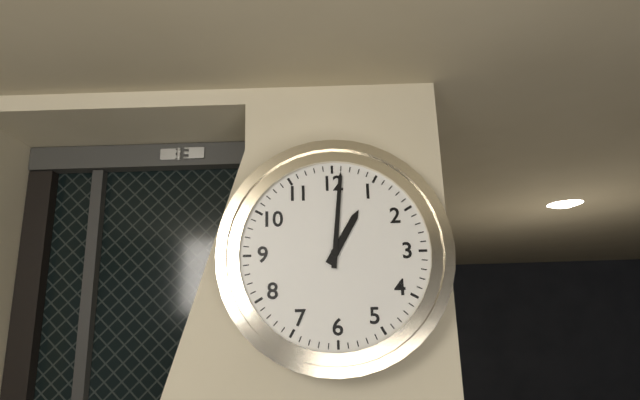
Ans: {"hour": 1, "minute": 1}
